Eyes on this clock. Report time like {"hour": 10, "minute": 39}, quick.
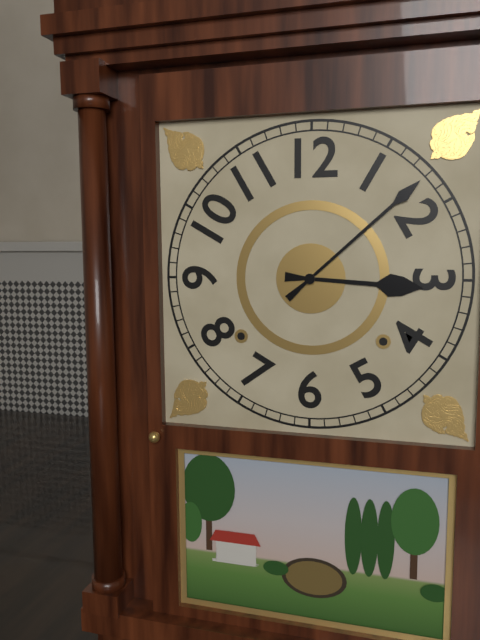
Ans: {"hour": 3, "minute": 8}
